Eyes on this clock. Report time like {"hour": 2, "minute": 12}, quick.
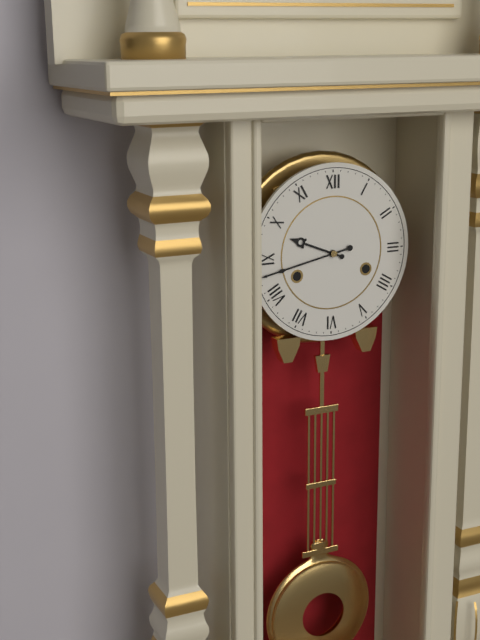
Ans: {"hour": 9, "minute": 43}
